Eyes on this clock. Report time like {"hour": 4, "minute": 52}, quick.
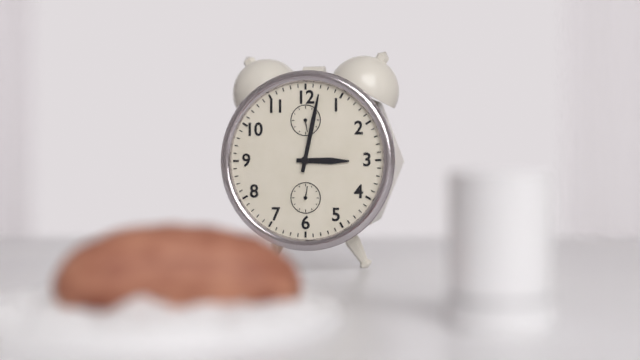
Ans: {"hour": 3, "minute": 2}
